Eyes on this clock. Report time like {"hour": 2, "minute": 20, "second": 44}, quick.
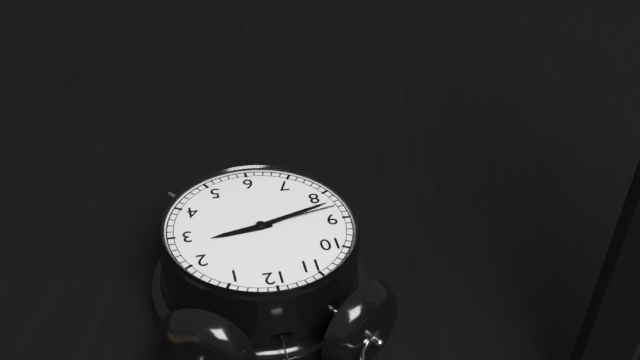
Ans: {"hour": 2, "minute": 42, "second": 43}
